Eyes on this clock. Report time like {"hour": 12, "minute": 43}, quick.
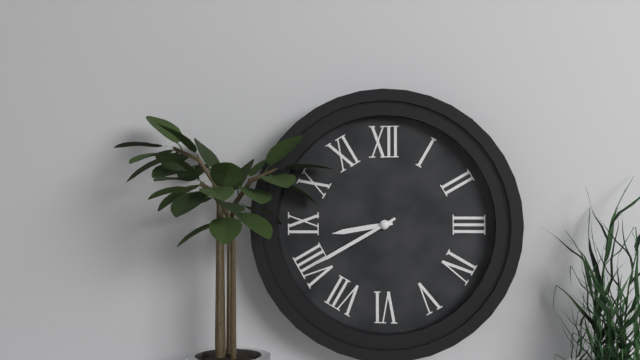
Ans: {"hour": 8, "minute": 40}
